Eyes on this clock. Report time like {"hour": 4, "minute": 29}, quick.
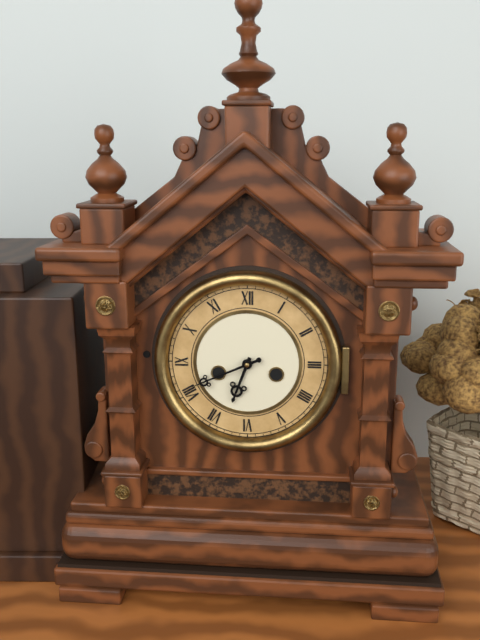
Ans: {"hour": 6, "minute": 41}
